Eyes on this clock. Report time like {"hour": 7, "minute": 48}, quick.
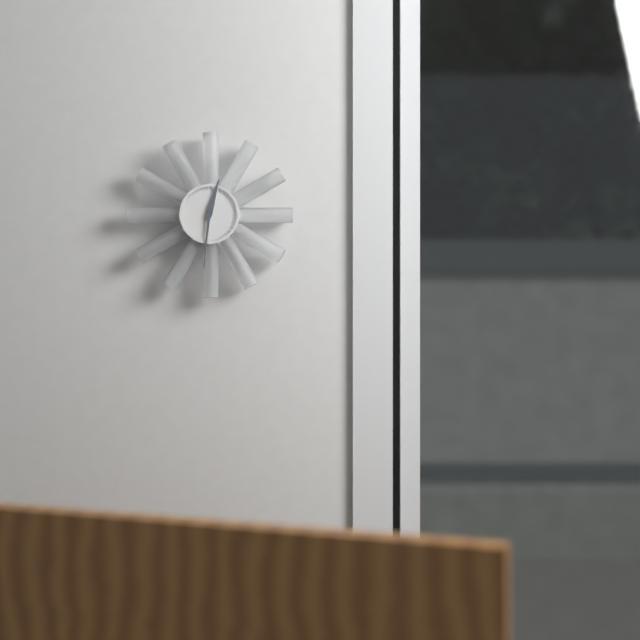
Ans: {"hour": 12, "minute": 31}
